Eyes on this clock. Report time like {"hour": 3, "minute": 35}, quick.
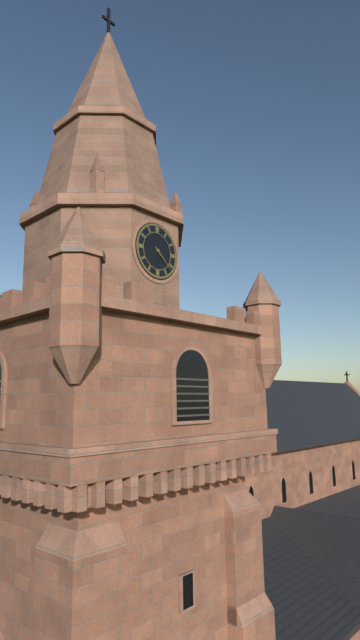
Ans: {"hour": 4, "minute": 22}
